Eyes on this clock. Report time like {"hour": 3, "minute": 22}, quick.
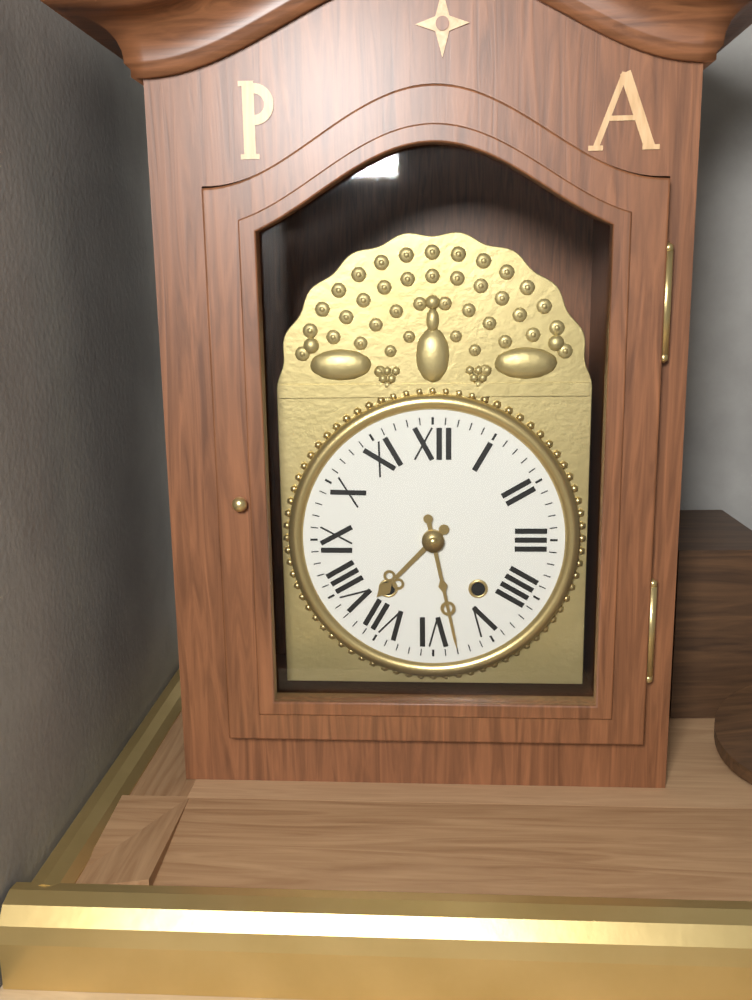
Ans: {"hour": 7, "minute": 28}
